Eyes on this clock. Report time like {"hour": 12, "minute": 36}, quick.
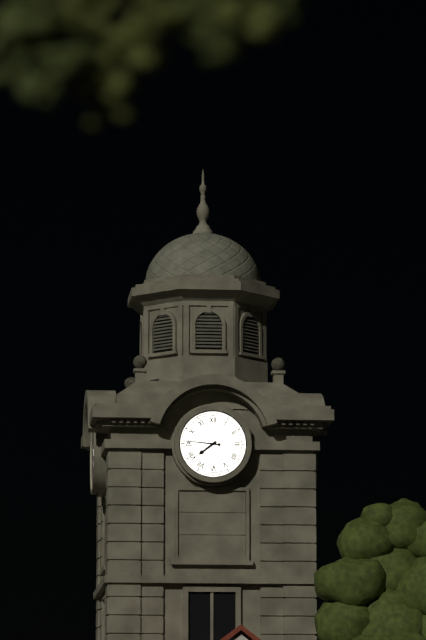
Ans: {"hour": 7, "minute": 46}
